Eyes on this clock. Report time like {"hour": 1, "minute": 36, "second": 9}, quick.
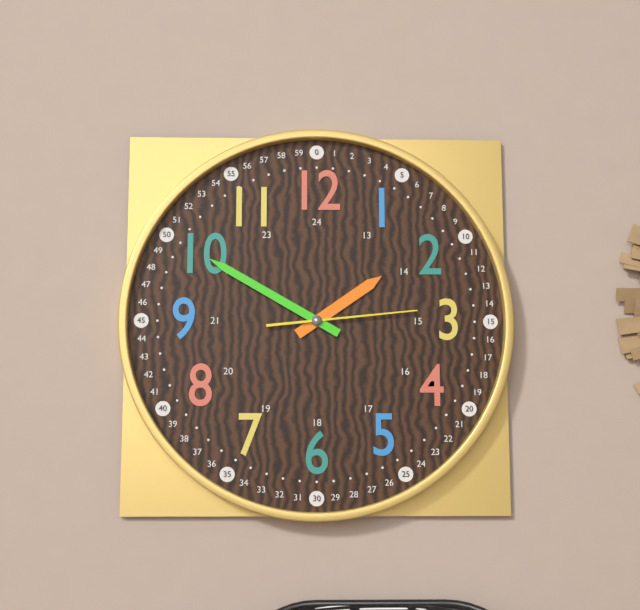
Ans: {"hour": 1, "minute": 50, "second": 14}
